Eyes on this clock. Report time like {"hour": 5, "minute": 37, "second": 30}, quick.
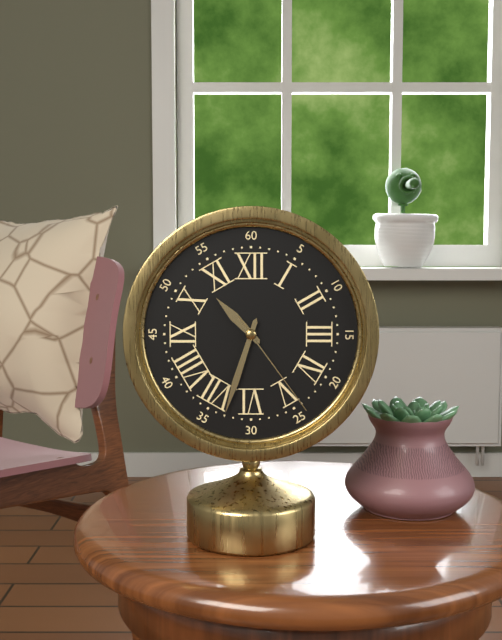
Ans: {"hour": 10, "minute": 33, "second": 24}
